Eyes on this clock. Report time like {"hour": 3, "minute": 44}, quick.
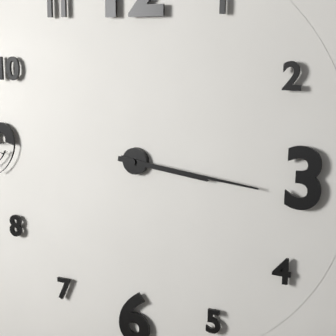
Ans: {"hour": 3, "minute": 16}
